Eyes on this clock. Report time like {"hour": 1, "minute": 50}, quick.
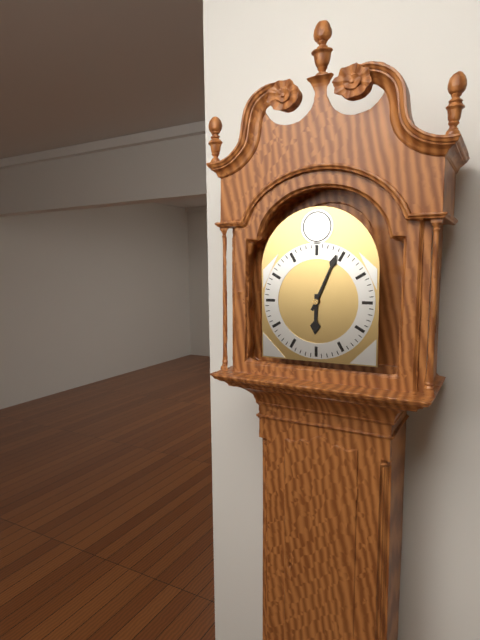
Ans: {"hour": 6, "minute": 4}
